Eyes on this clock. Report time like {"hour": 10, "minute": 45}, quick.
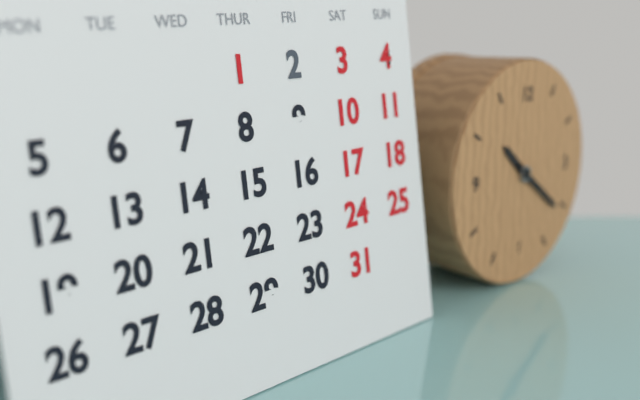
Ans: {"hour": 10, "minute": 21}
